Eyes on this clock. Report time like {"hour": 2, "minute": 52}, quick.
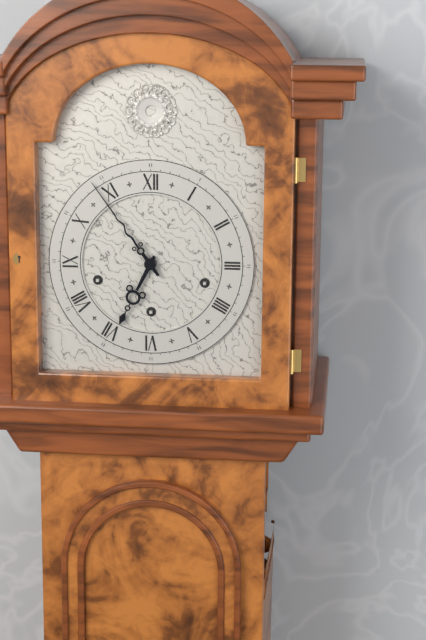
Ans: {"hour": 6, "minute": 54}
